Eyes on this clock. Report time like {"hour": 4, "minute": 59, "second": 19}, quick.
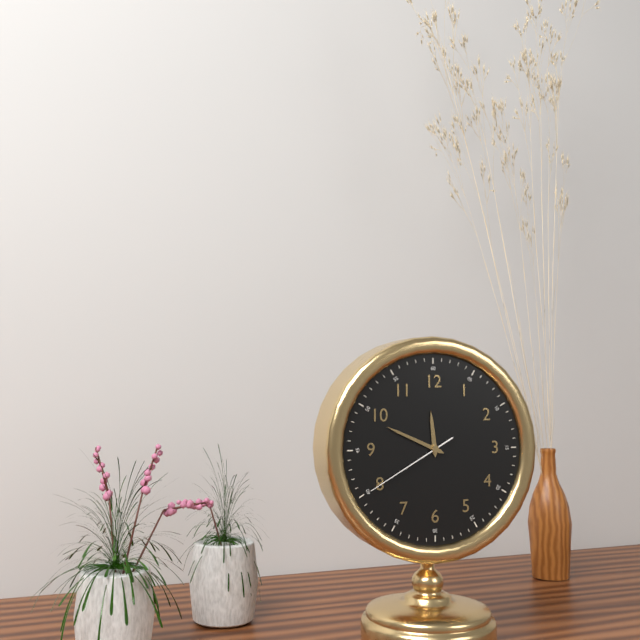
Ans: {"hour": 11, "minute": 49, "second": 40}
